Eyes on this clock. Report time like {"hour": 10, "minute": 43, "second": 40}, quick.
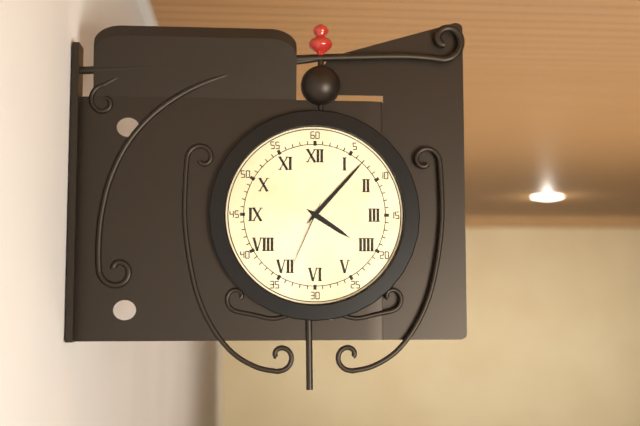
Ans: {"hour": 4, "minute": 7, "second": 34}
